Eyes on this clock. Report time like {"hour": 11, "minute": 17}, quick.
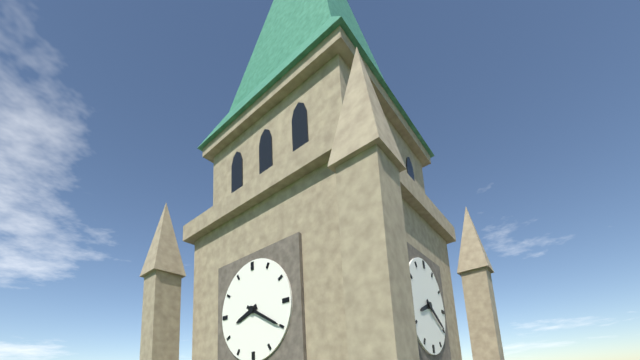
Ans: {"hour": 8, "minute": 20}
